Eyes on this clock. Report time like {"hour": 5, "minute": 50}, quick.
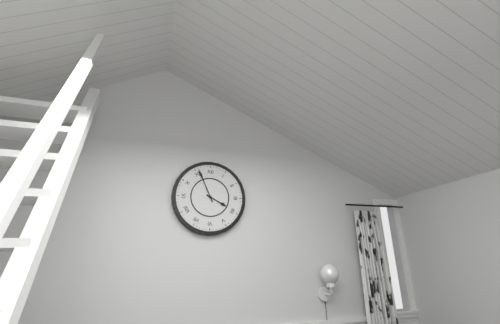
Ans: {"hour": 3, "minute": 56}
